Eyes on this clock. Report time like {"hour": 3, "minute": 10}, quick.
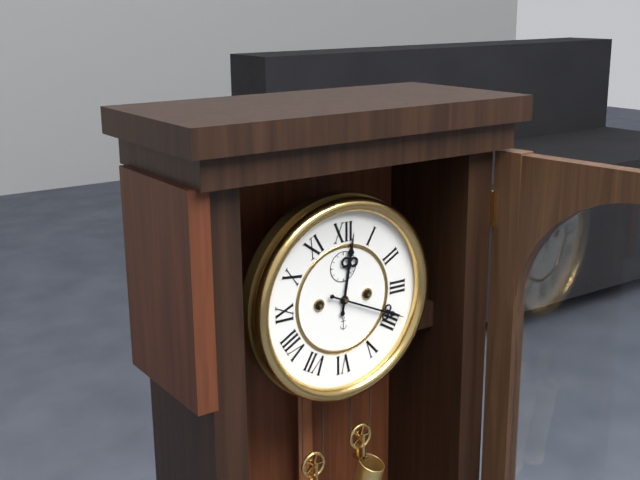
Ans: {"hour": 12, "minute": 19}
